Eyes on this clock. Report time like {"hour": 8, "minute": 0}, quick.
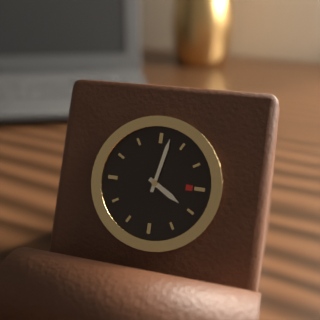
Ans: {"hour": 4, "minute": 2}
